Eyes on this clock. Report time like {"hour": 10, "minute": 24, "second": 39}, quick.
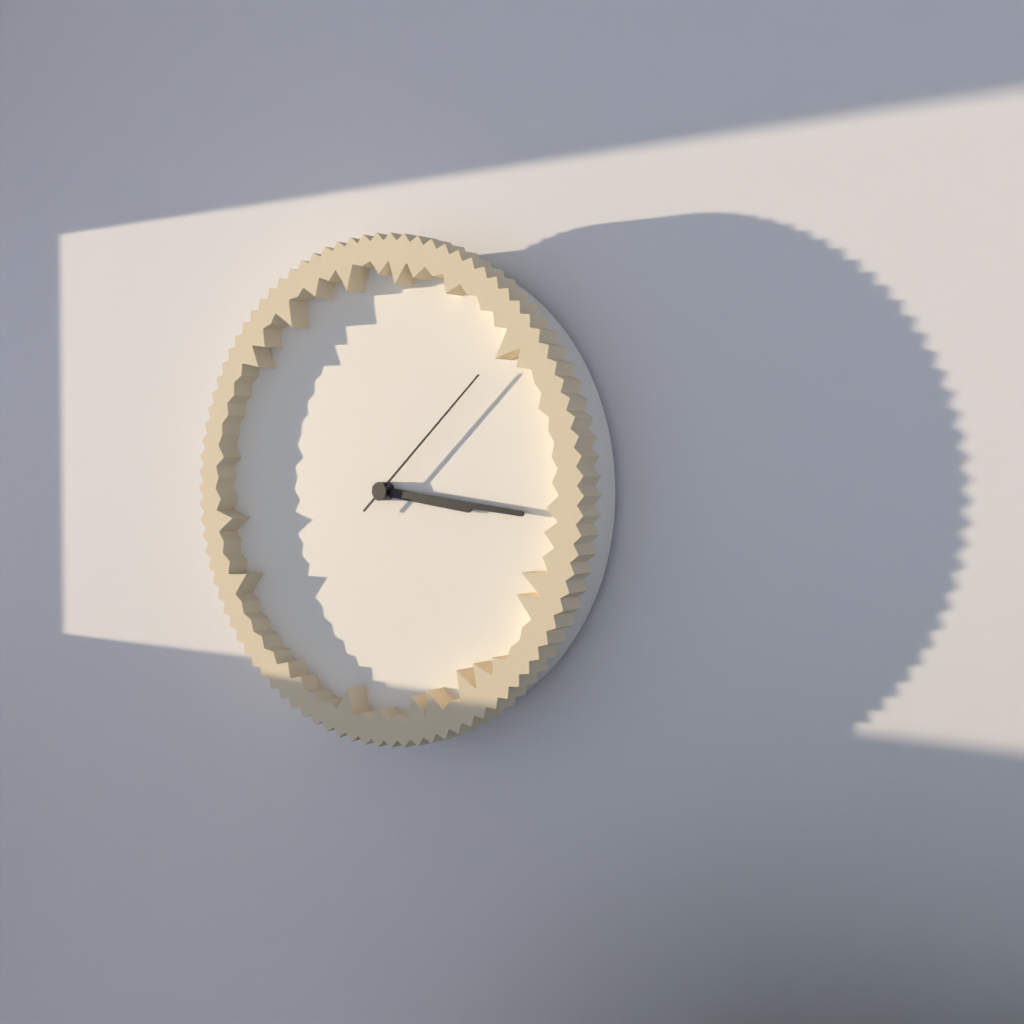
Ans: {"hour": 3, "minute": 16, "second": 8}
